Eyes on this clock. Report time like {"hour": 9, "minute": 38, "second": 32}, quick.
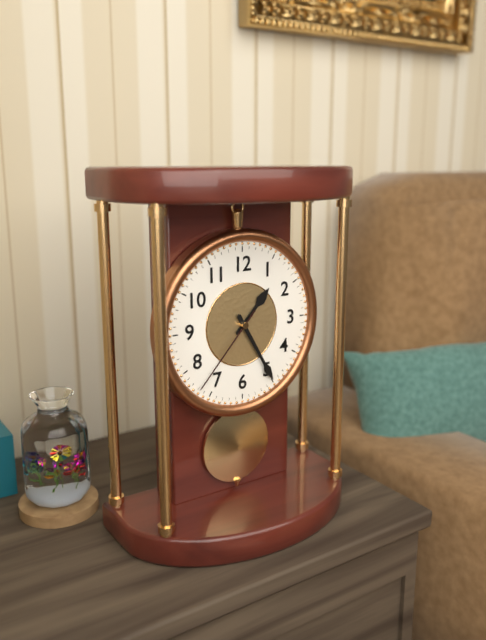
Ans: {"hour": 1, "minute": 25, "second": 37}
